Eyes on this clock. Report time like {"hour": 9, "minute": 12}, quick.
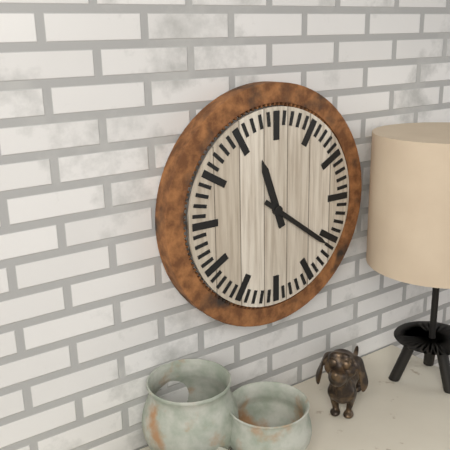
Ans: {"hour": 11, "minute": 21}
